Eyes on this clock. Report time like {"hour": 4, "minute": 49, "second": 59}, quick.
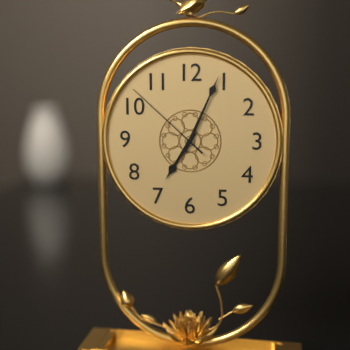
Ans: {"hour": 7, "minute": 4, "second": 52}
